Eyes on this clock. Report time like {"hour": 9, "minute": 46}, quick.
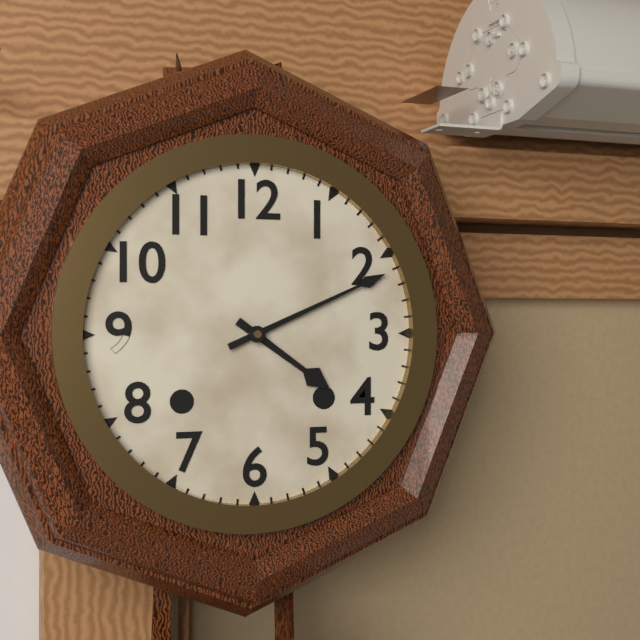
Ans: {"hour": 4, "minute": 11}
